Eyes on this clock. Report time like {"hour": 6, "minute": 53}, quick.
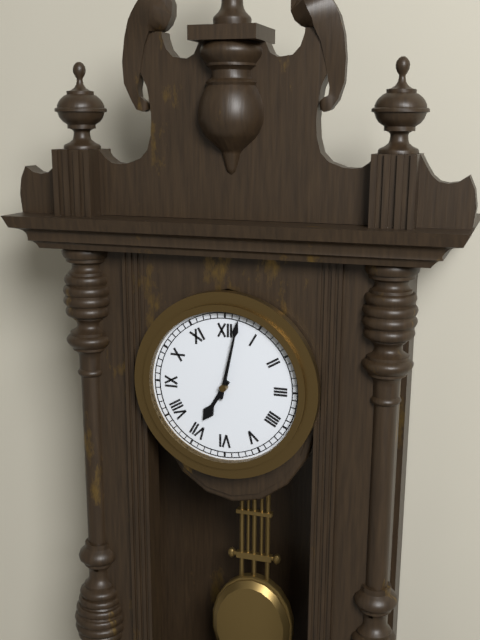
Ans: {"hour": 7, "minute": 2}
